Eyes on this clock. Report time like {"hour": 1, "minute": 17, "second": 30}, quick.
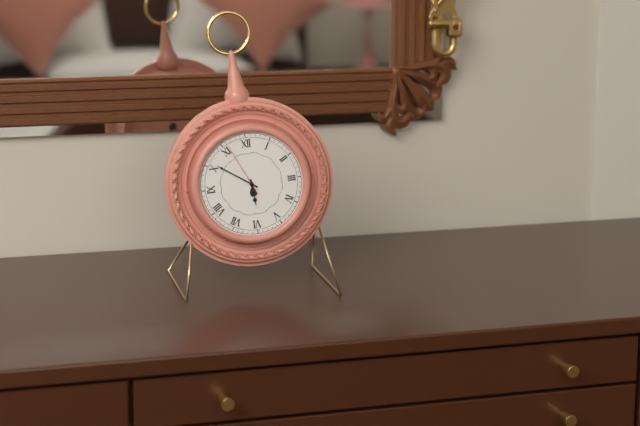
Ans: {"hour": 5, "minute": 51, "second": 56}
